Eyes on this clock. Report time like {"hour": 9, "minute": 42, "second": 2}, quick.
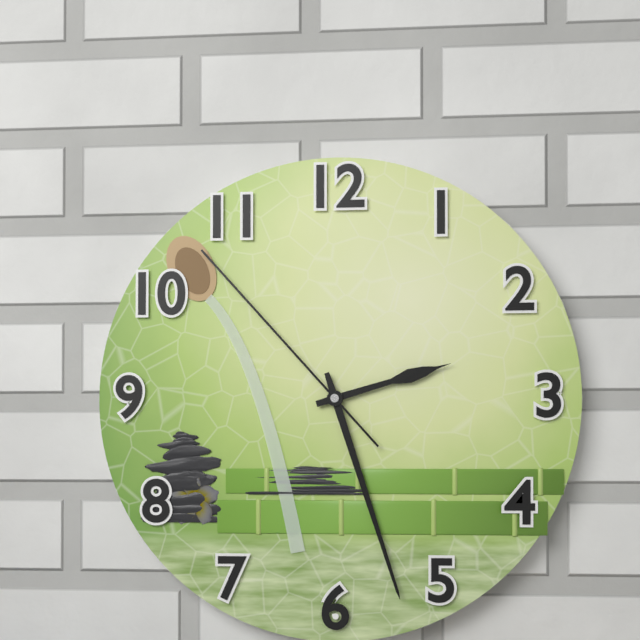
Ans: {"hour": 2, "minute": 27, "second": 53}
